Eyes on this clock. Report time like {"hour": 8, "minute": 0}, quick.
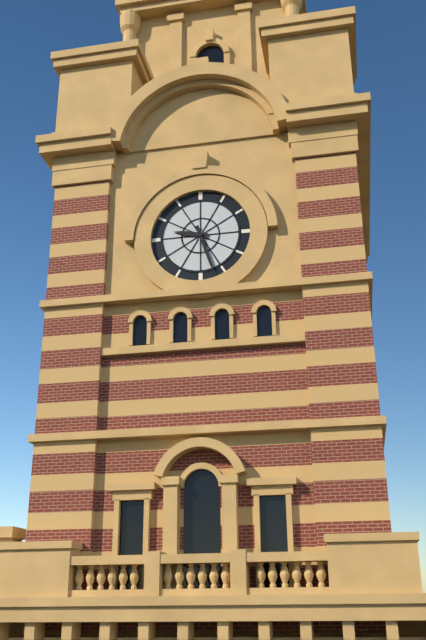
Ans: {"hour": 9, "minute": 27}
